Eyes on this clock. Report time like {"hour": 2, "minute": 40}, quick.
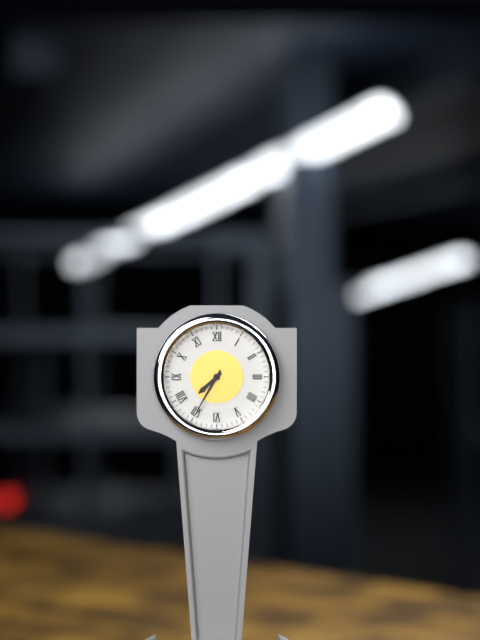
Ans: {"hour": 7, "minute": 35}
